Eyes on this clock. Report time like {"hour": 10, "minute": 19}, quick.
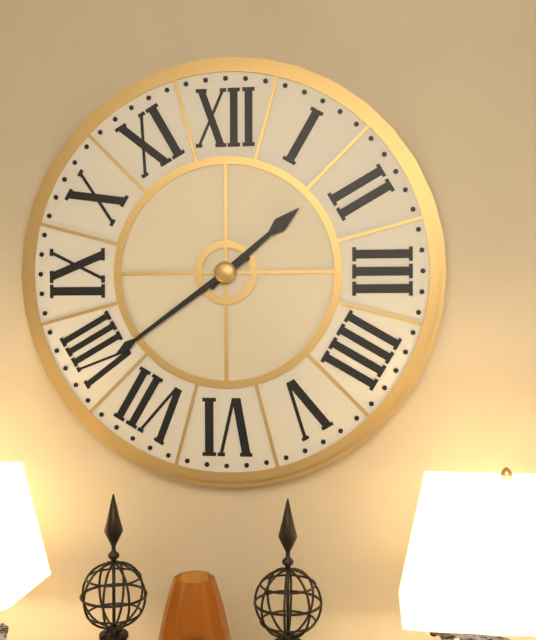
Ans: {"hour": 1, "minute": 39}
